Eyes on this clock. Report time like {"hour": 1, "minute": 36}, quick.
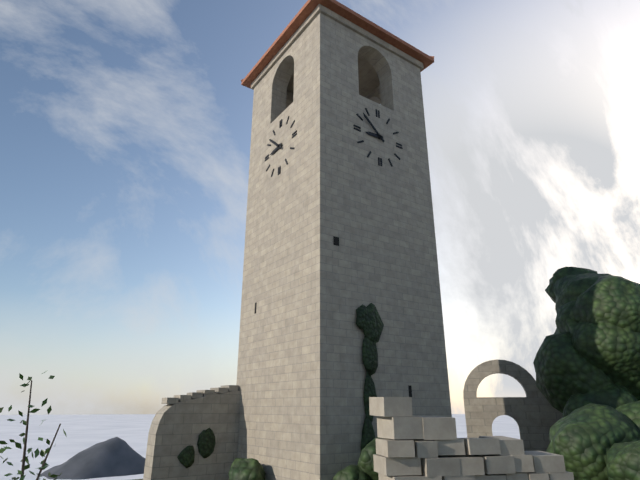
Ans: {"hour": 8, "minute": 52}
